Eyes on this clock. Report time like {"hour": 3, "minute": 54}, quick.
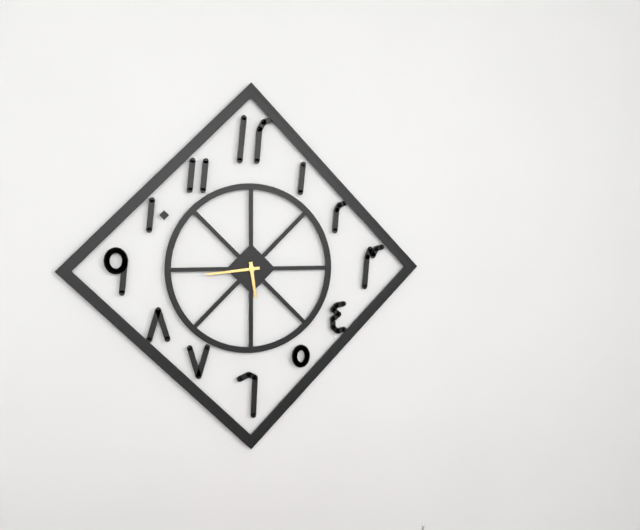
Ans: {"hour": 5, "minute": 44}
